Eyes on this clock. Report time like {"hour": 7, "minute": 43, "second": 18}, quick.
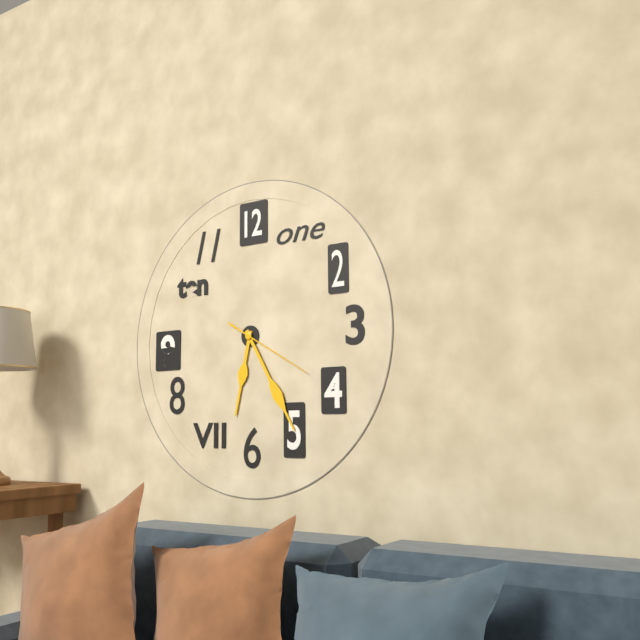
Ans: {"hour": 6, "minute": 25, "second": 20}
